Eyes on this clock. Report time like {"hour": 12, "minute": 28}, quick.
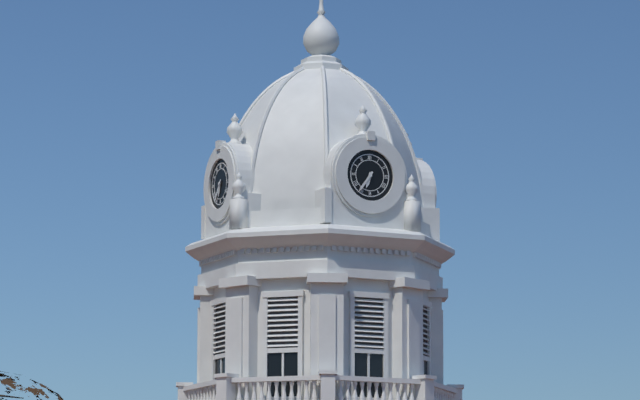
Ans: {"hour": 6, "minute": 36}
